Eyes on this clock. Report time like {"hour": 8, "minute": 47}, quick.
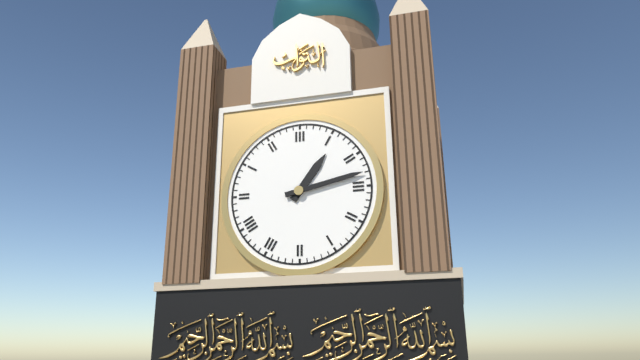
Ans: {"hour": 1, "minute": 13}
